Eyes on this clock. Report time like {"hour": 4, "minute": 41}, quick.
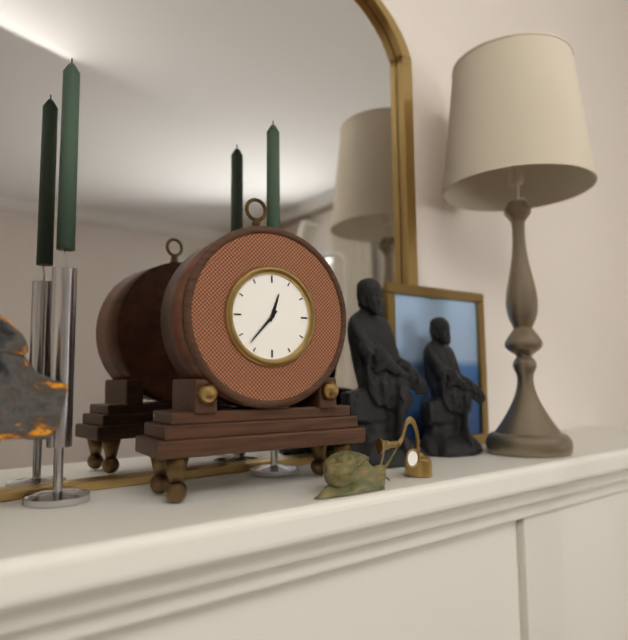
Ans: {"hour": 12, "minute": 37}
